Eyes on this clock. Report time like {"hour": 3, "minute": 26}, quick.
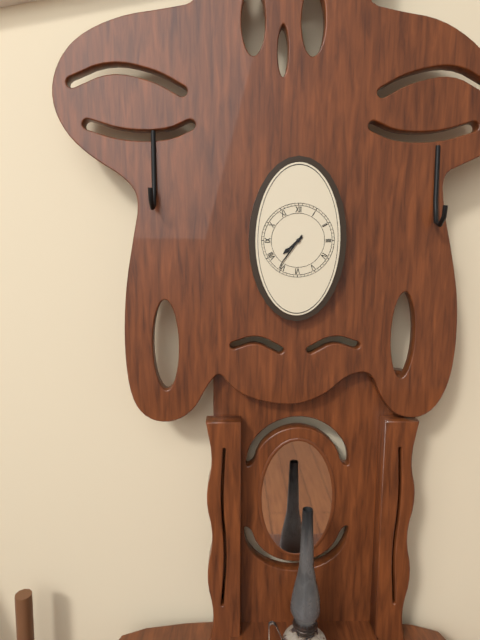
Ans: {"hour": 7, "minute": 36}
